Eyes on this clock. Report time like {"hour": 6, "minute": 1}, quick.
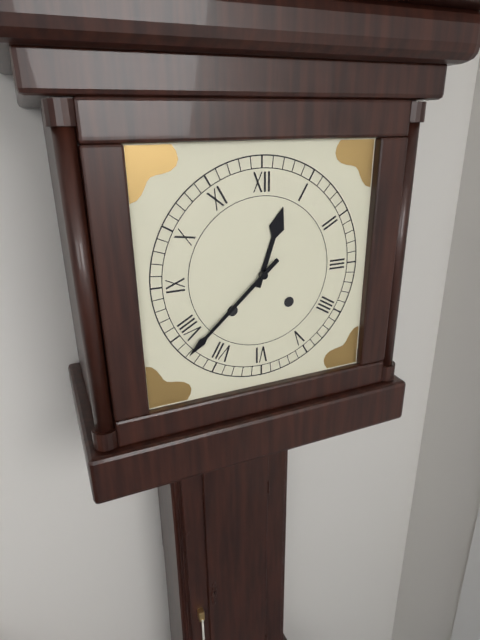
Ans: {"hour": 12, "minute": 38}
